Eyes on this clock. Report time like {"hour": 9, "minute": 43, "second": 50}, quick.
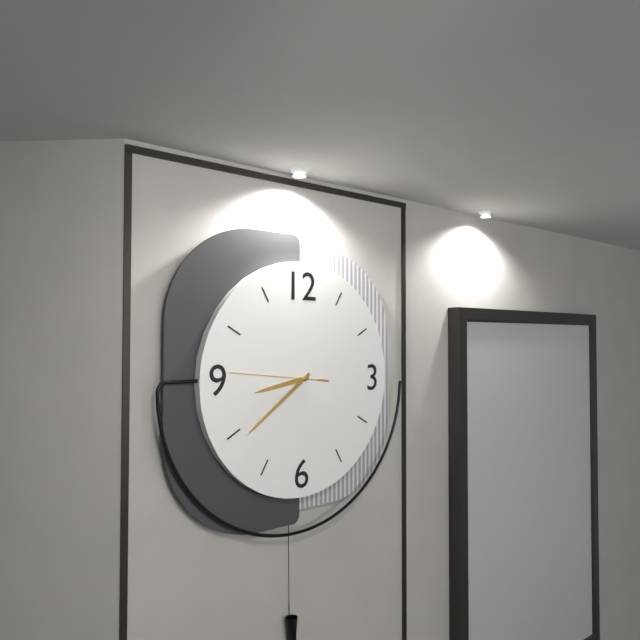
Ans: {"hour": 8, "minute": 39, "second": 46}
